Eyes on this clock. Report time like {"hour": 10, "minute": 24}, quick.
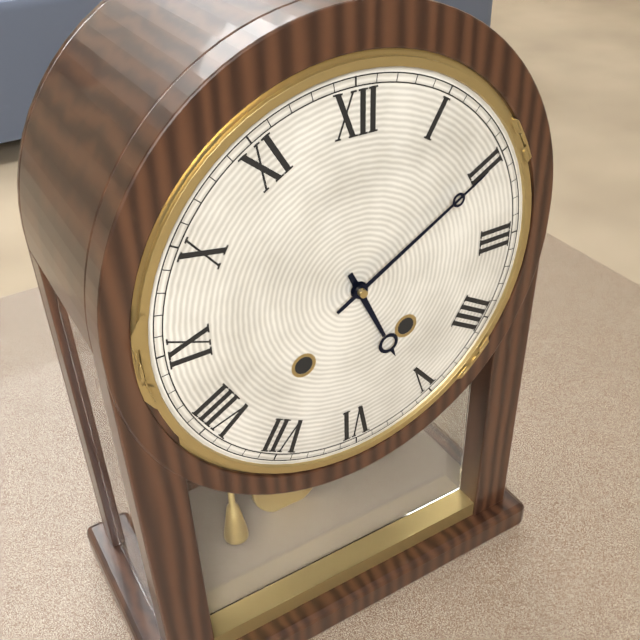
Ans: {"hour": 5, "minute": 10}
